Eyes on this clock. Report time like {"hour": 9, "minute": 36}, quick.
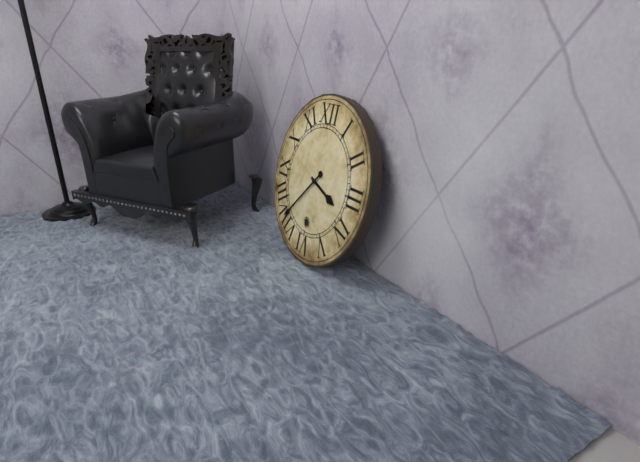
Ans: {"hour": 3, "minute": 37}
